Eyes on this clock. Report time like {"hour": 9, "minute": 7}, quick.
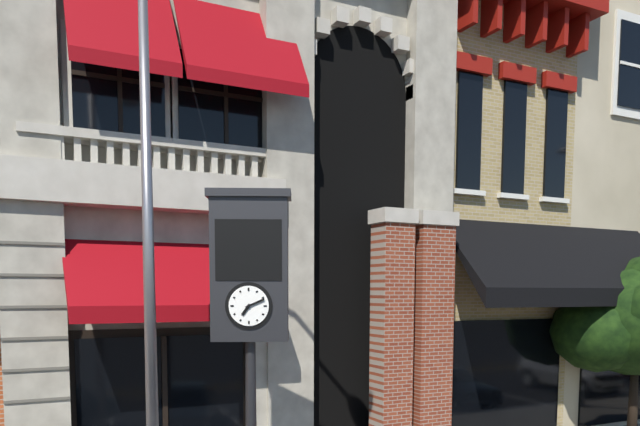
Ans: {"hour": 7, "minute": 11}
